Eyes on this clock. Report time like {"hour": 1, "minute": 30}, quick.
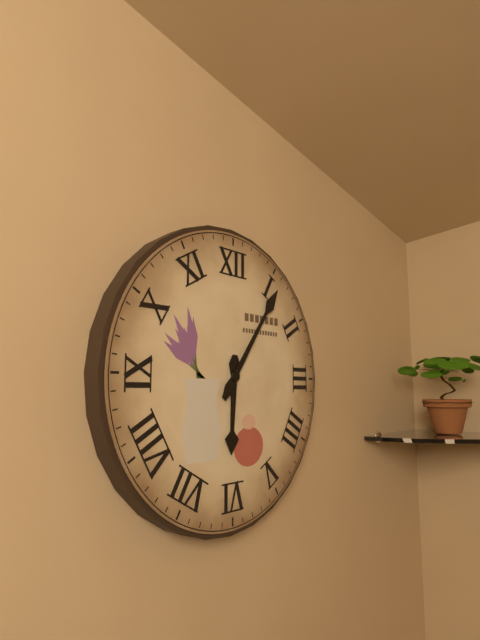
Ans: {"hour": 6, "minute": 6}
